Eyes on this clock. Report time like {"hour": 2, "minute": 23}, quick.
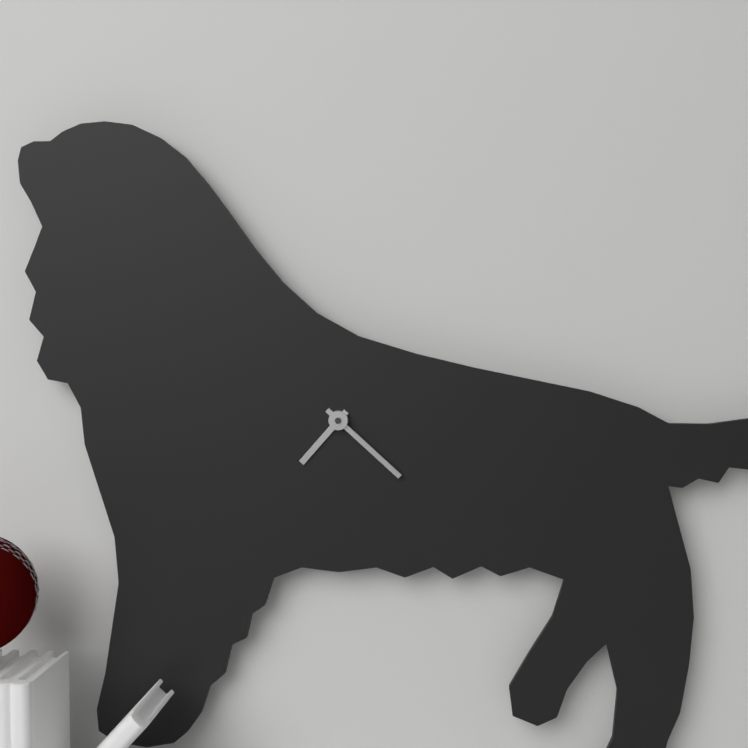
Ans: {"hour": 7, "minute": 22}
